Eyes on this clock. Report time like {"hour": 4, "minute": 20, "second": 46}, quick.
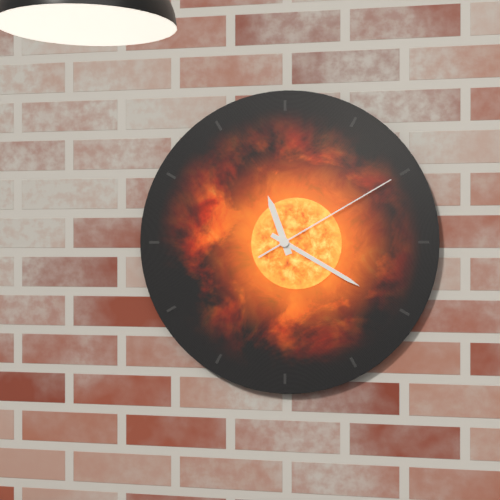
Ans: {"hour": 11, "minute": 20, "second": 10}
